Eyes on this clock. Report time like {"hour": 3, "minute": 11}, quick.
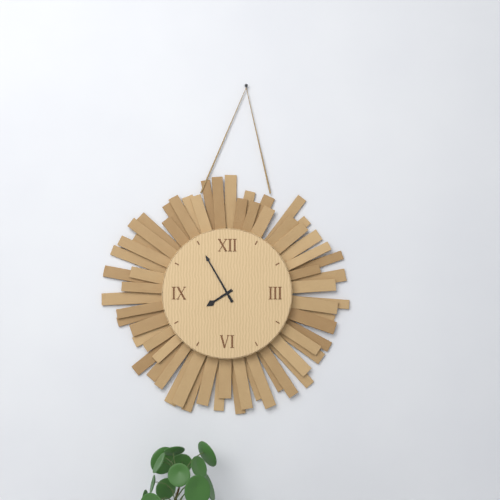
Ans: {"hour": 7, "minute": 55}
